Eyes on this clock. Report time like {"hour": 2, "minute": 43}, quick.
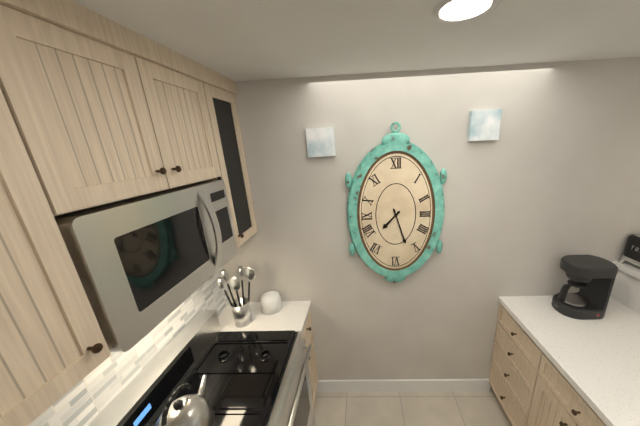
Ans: {"hour": 7, "minute": 27}
